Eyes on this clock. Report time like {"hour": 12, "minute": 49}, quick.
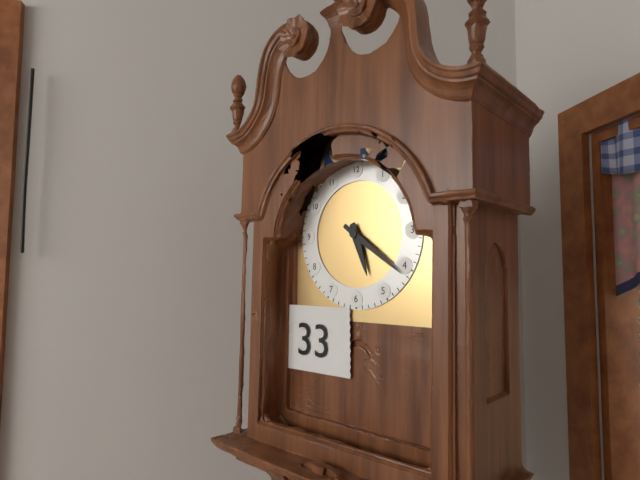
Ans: {"hour": 5, "minute": 21}
